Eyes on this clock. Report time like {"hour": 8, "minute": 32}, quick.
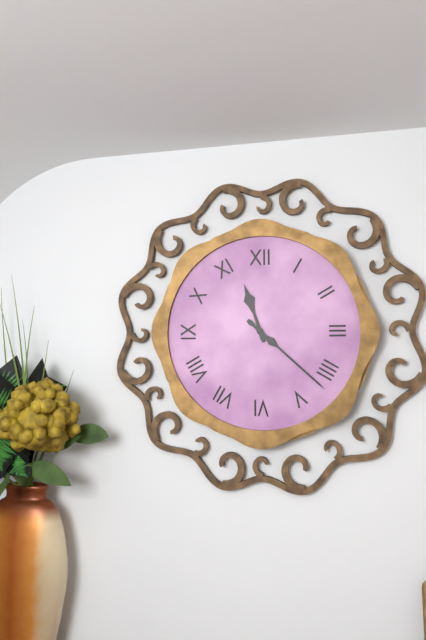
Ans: {"hour": 11, "minute": 22}
